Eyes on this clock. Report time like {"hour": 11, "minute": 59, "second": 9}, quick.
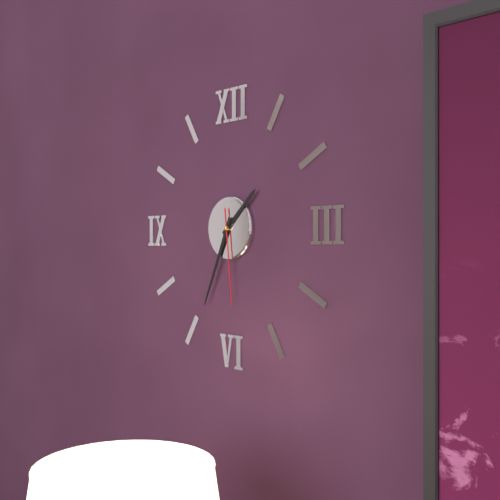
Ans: {"hour": 1, "minute": 34, "second": 29}
